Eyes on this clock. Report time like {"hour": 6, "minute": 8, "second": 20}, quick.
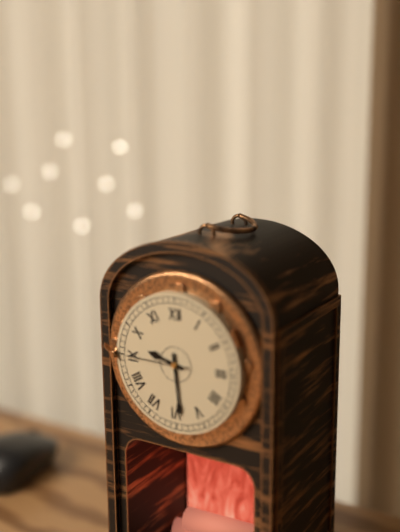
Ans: {"hour": 9, "minute": 29, "second": 45}
